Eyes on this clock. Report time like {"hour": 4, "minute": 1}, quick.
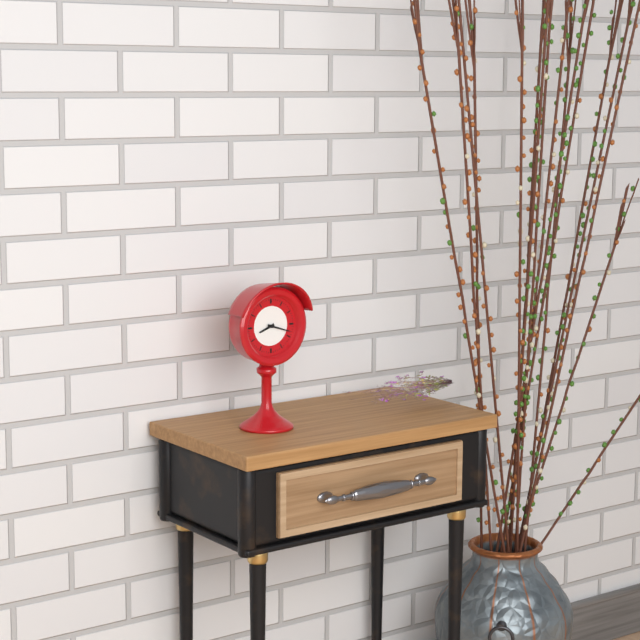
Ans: {"hour": 8, "minute": 18}
